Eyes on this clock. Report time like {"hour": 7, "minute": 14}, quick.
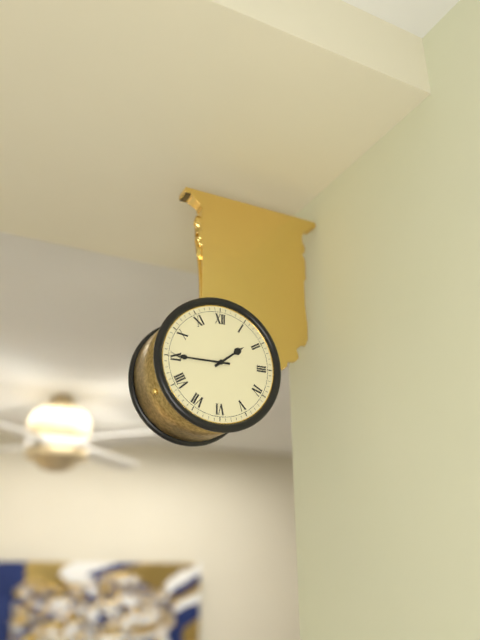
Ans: {"hour": 1, "minute": 45}
